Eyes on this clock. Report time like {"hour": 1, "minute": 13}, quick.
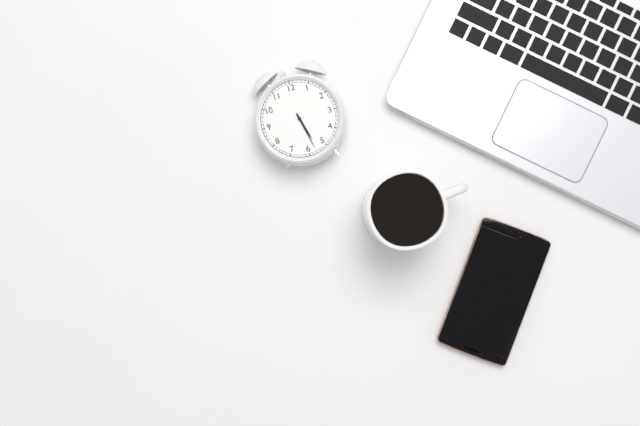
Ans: {"hour": 5, "minute": 28}
